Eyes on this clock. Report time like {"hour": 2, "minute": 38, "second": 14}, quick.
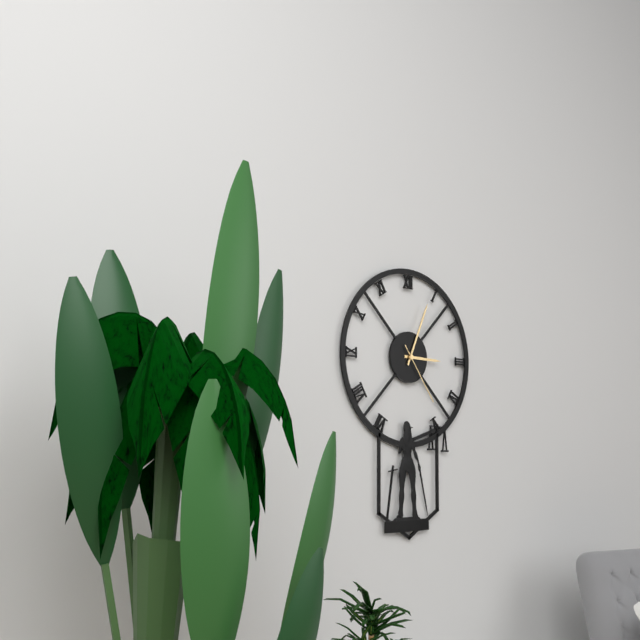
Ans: {"hour": 3, "minute": 4, "second": 24}
